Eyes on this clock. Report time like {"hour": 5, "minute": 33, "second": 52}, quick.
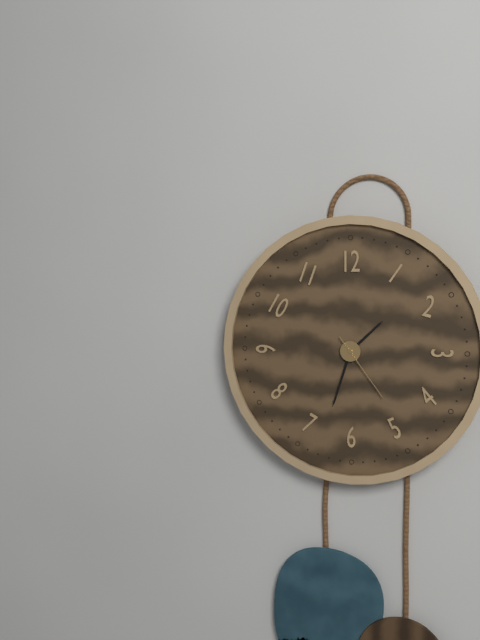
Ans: {"hour": 1, "minute": 33, "second": 24}
